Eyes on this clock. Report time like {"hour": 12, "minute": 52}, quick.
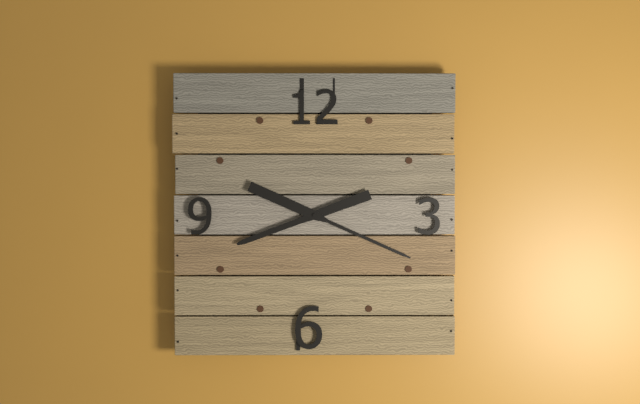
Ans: {"hour": 8, "minute": 19}
